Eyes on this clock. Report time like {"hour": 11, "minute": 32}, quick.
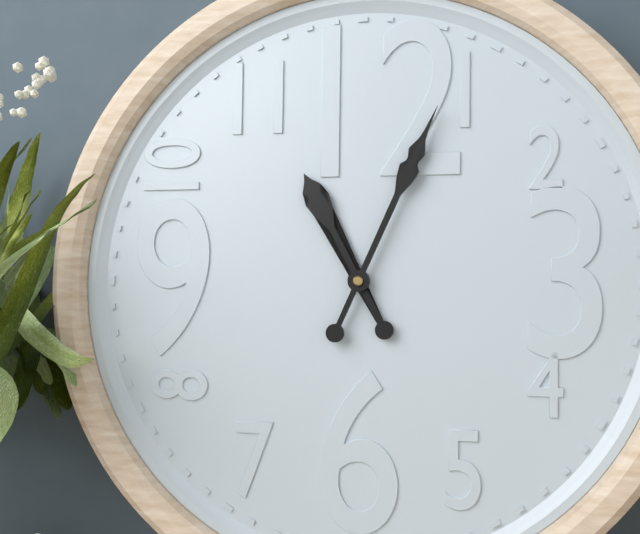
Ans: {"hour": 11, "minute": 4}
